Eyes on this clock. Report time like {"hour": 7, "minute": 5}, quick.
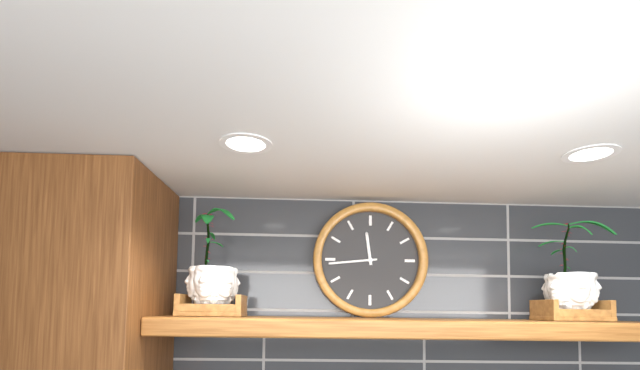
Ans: {"hour": 11, "minute": 44}
